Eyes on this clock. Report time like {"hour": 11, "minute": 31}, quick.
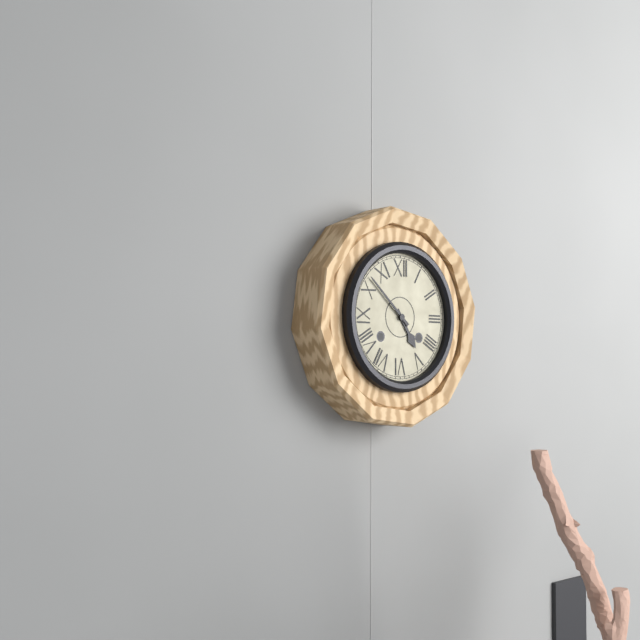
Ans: {"hour": 4, "minute": 52}
